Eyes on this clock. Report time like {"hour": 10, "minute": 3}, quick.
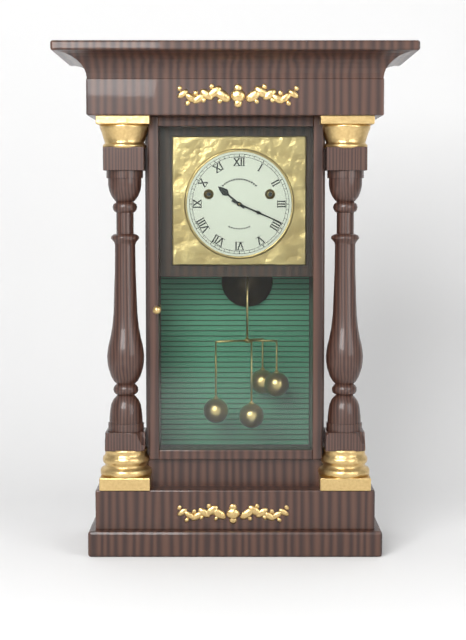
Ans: {"hour": 10, "minute": 19}
